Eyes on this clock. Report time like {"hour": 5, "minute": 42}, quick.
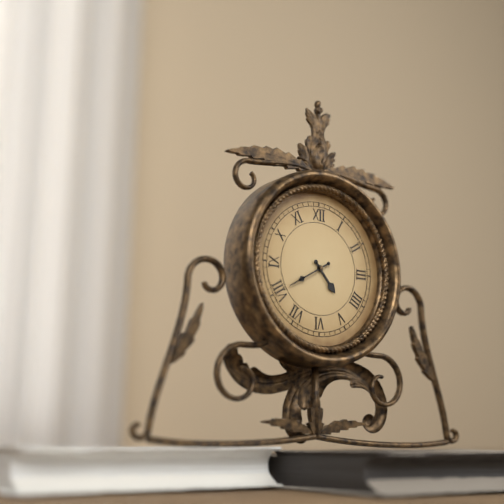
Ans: {"hour": 4, "minute": 40}
